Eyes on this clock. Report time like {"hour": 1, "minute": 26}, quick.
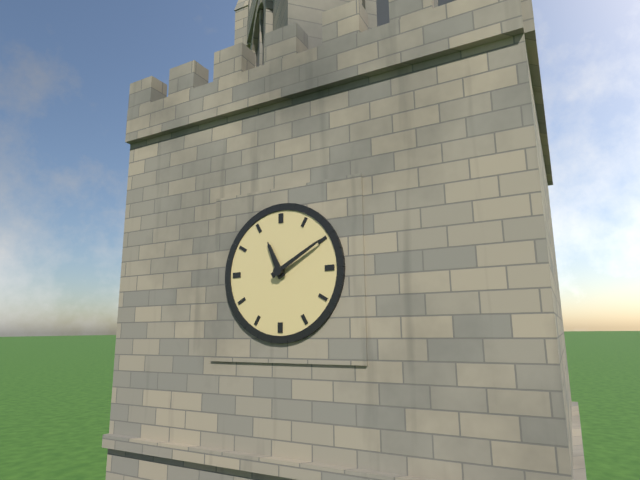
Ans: {"hour": 11, "minute": 10}
